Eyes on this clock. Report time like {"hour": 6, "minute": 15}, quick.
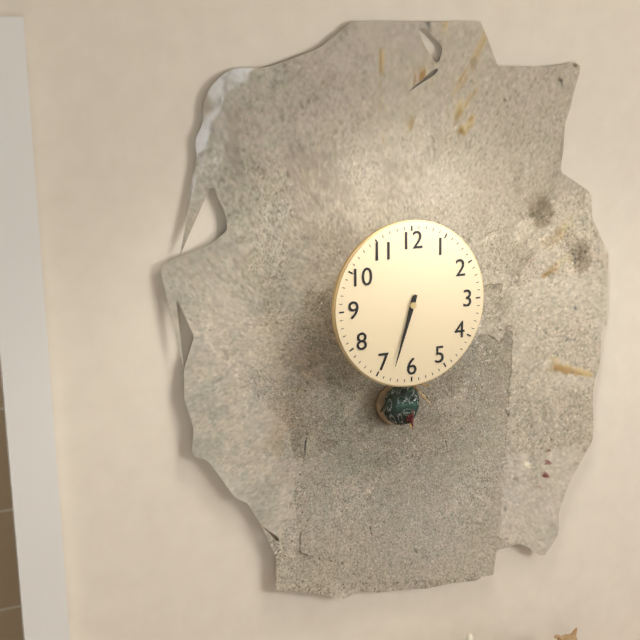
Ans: {"hour": 6, "minute": 33}
